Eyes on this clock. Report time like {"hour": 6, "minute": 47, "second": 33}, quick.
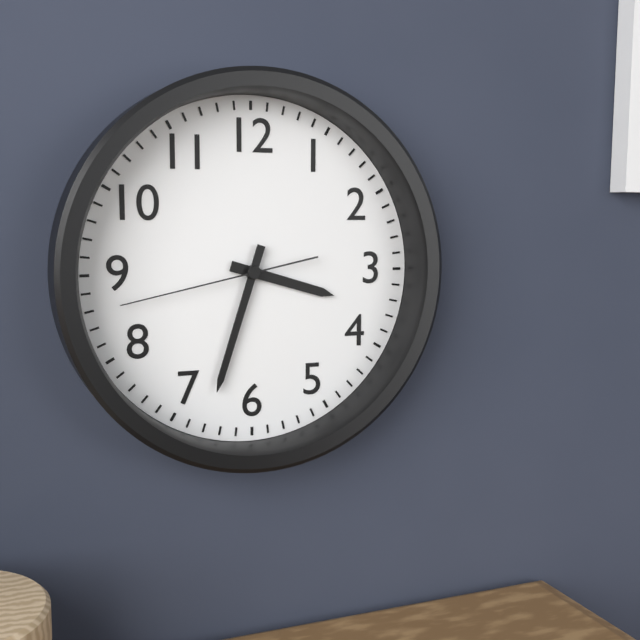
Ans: {"hour": 3, "minute": 33, "second": 43}
